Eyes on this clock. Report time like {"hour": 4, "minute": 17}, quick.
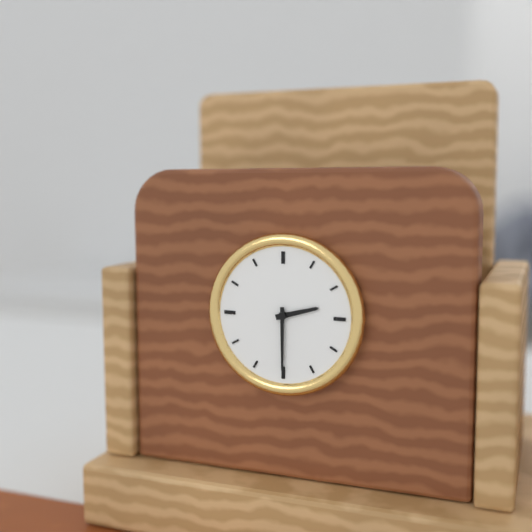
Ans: {"hour": 2, "minute": 30}
